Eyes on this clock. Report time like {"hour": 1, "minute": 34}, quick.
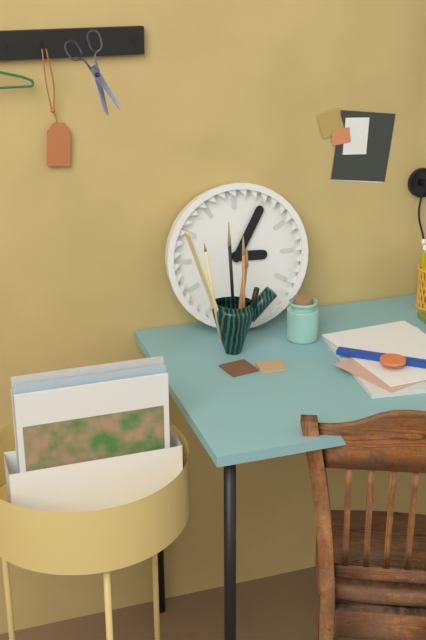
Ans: {"hour": 3, "minute": 5}
